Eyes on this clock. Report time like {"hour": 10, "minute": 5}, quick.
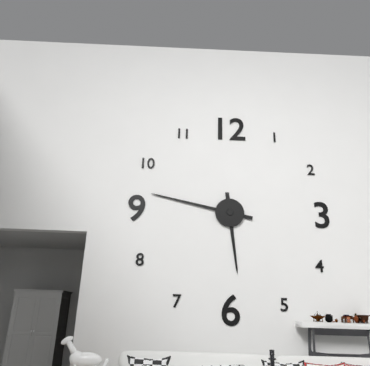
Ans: {"hour": 5, "minute": 47}
